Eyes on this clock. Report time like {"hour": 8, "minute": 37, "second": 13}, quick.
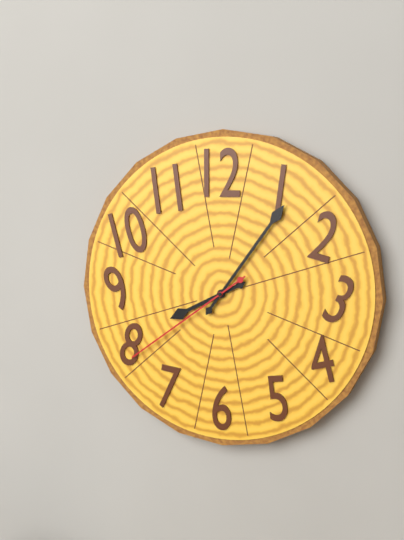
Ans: {"hour": 8, "minute": 6, "second": 39}
